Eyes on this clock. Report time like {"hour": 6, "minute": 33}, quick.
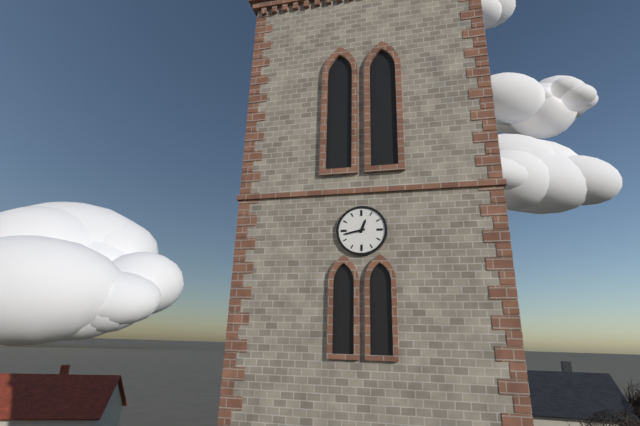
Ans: {"hour": 12, "minute": 43}
